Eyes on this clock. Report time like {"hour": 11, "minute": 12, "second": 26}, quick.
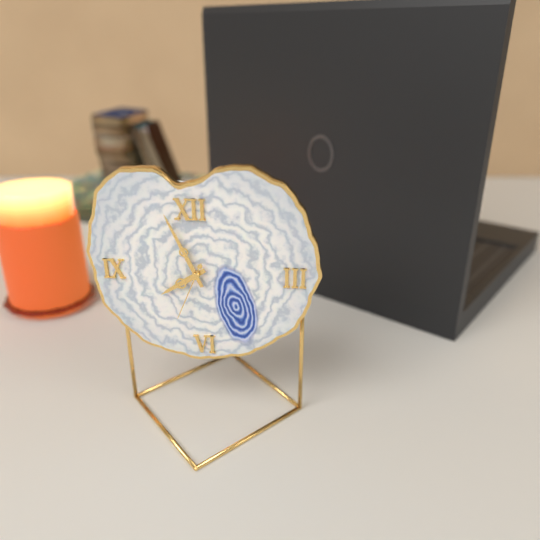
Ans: {"hour": 7, "minute": 56, "second": 34}
